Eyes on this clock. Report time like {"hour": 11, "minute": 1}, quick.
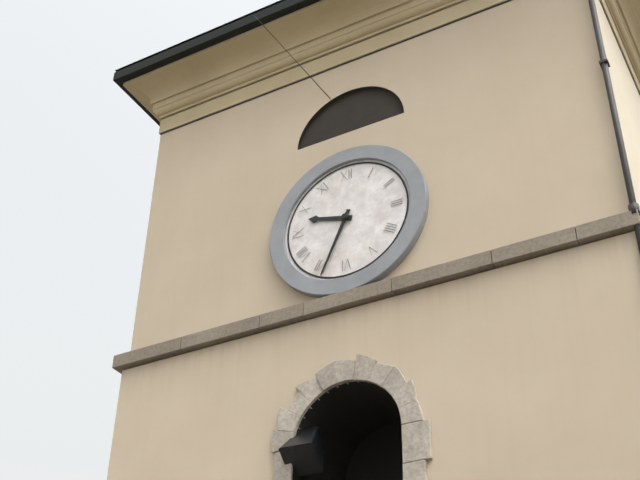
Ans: {"hour": 9, "minute": 34}
